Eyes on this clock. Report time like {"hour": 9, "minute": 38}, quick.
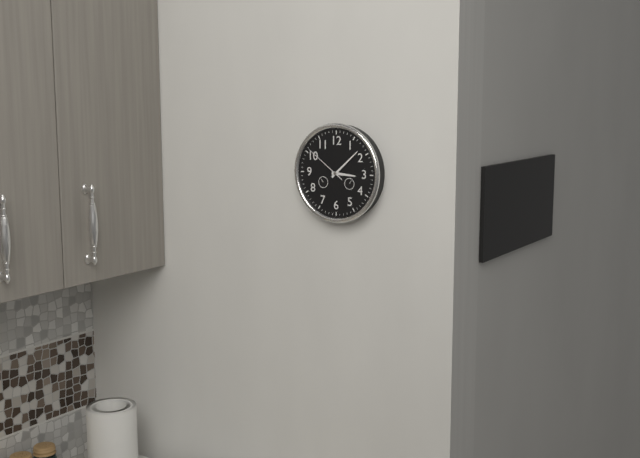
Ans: {"hour": 3, "minute": 8}
